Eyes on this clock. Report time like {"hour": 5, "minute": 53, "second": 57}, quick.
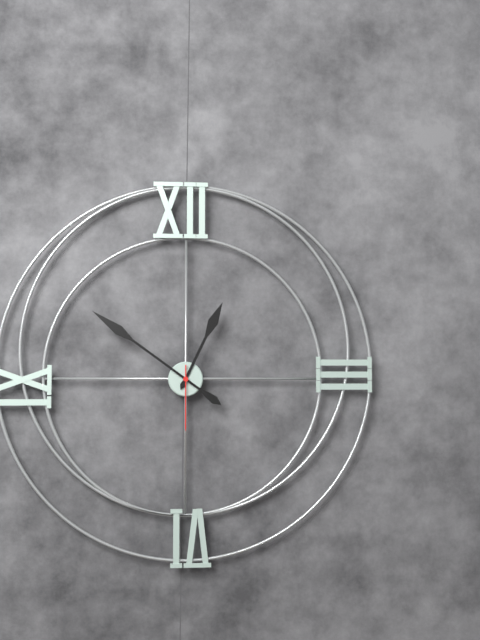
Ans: {"hour": 12, "minute": 51, "second": 30}
